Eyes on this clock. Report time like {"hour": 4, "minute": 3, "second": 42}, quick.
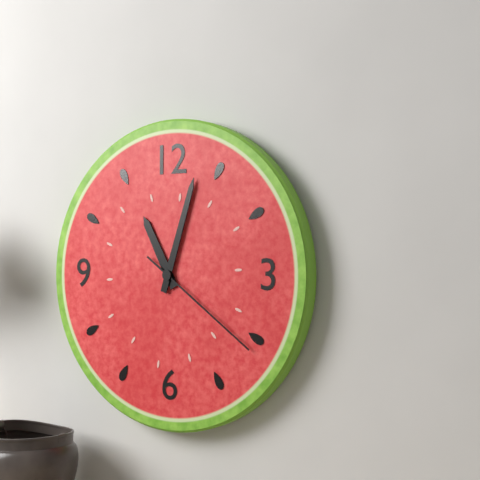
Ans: {"hour": 11, "minute": 3, "second": 21}
